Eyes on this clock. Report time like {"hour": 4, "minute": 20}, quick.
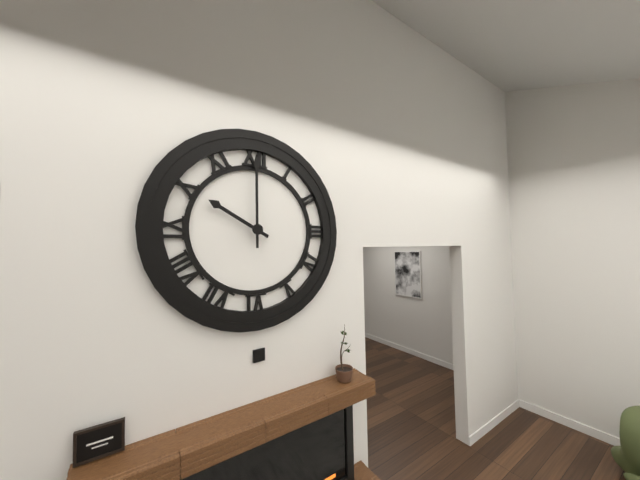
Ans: {"hour": 10, "minute": 0}
